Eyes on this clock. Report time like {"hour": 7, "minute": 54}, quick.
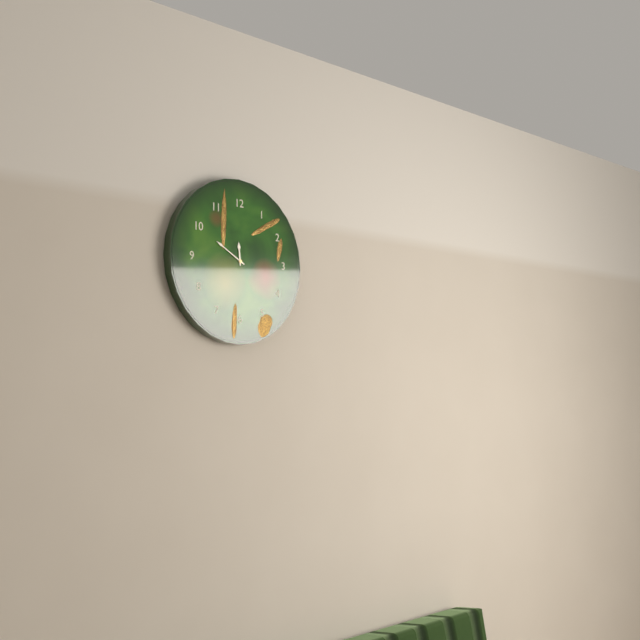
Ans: {"hour": 11, "minute": 50}
